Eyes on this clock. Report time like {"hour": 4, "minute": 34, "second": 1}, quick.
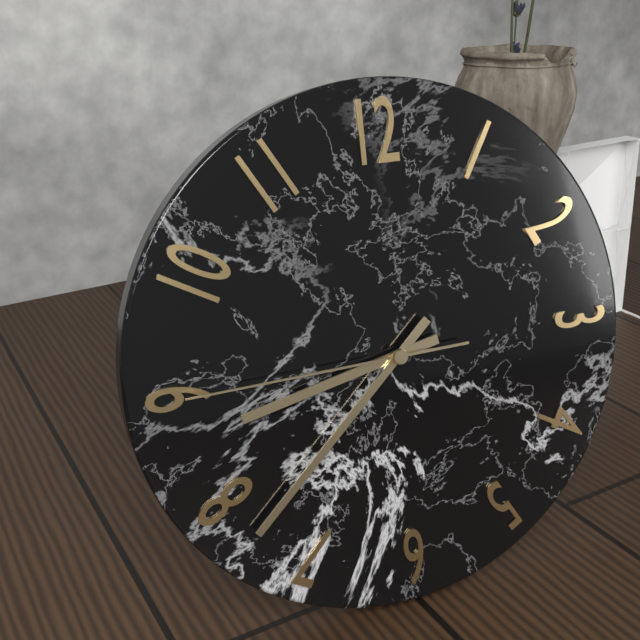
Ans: {"hour": 8, "minute": 38, "second": 45}
